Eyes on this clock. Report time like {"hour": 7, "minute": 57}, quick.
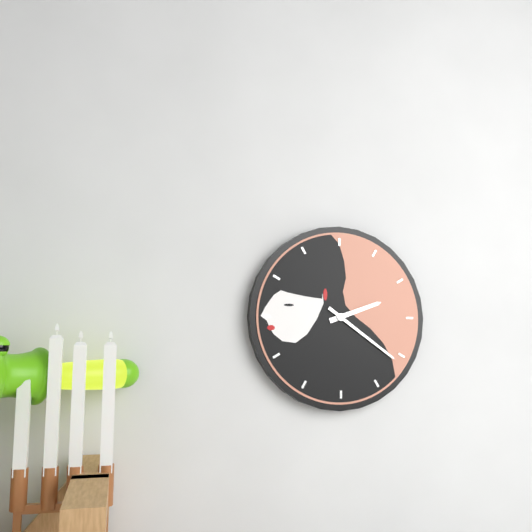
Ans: {"hour": 2, "minute": 21}
